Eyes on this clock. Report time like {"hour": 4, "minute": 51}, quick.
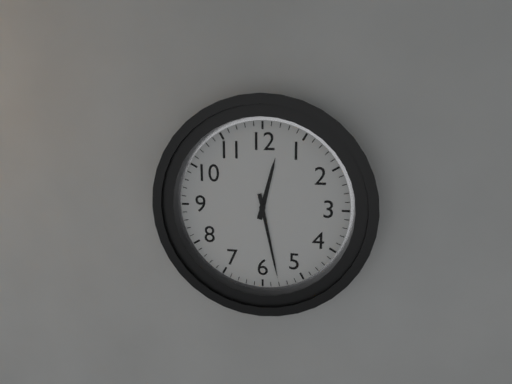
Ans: {"hour": 12, "minute": 28}
